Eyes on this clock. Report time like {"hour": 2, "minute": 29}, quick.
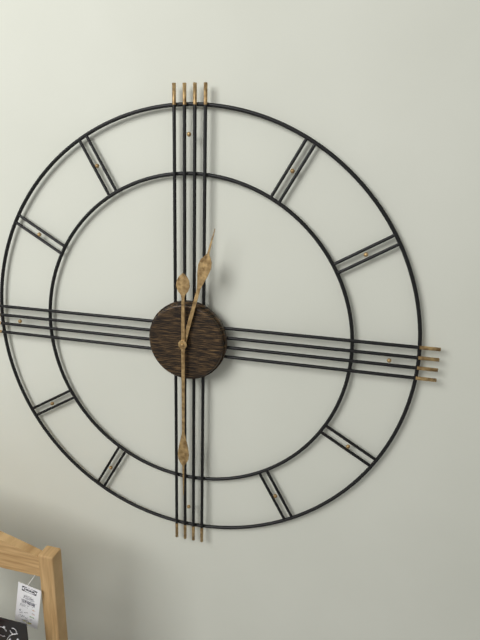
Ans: {"hour": 12, "minute": 30}
